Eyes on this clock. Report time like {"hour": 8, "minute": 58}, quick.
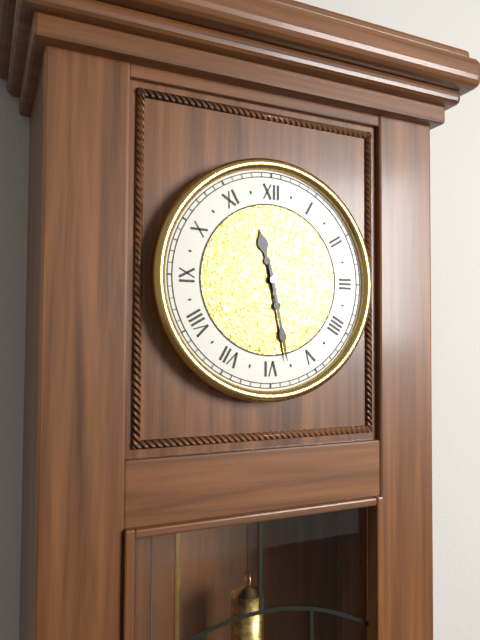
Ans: {"hour": 11, "minute": 28}
